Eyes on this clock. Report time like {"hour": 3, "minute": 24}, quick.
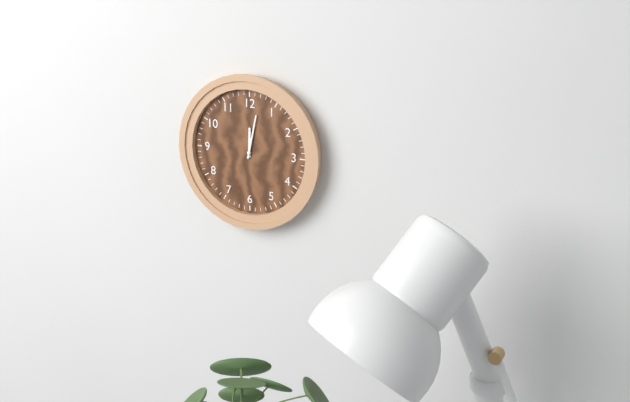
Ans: {"hour": 12, "minute": 2}
